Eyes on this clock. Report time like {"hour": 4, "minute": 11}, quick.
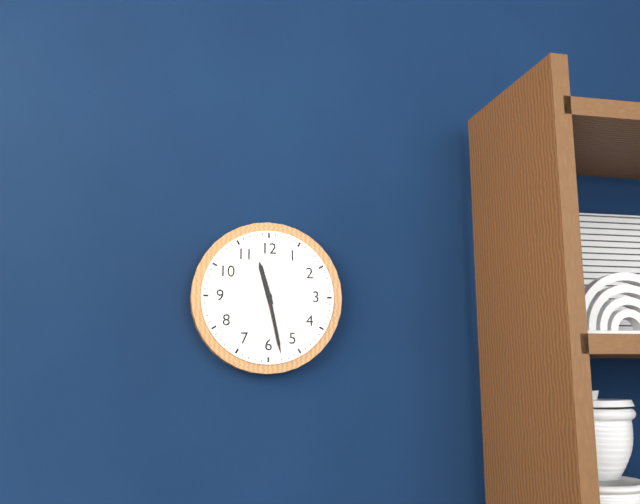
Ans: {"hour": 11, "minute": 28}
